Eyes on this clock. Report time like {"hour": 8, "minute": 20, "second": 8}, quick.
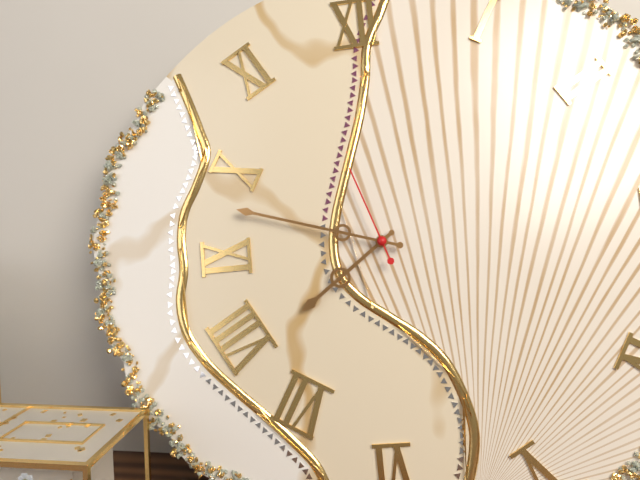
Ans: {"hour": 7, "minute": 48, "second": 57}
